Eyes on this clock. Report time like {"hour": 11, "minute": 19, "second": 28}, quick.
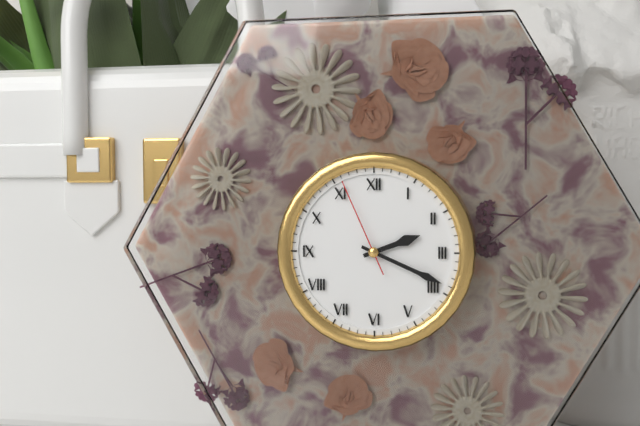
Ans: {"hour": 2, "minute": 19, "second": 56}
